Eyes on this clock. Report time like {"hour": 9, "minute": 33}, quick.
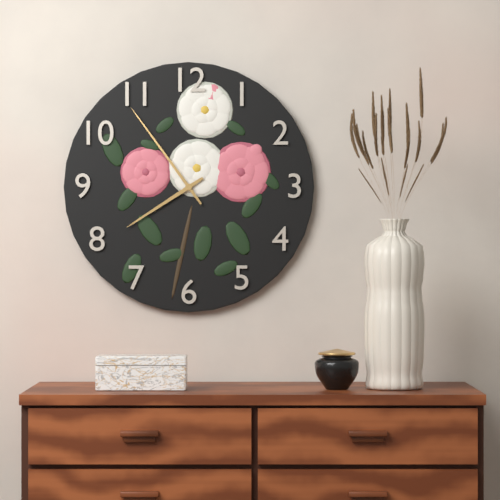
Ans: {"hour": 7, "minute": 54}
